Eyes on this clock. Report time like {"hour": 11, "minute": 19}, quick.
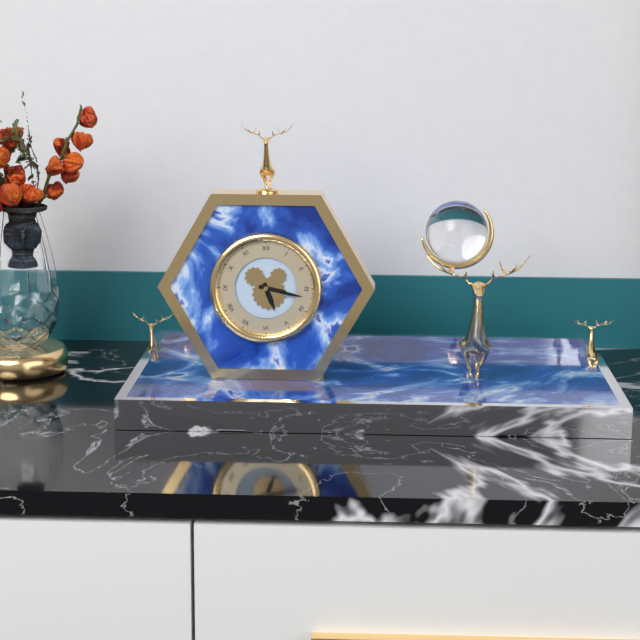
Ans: {"hour": 5, "minute": 17}
